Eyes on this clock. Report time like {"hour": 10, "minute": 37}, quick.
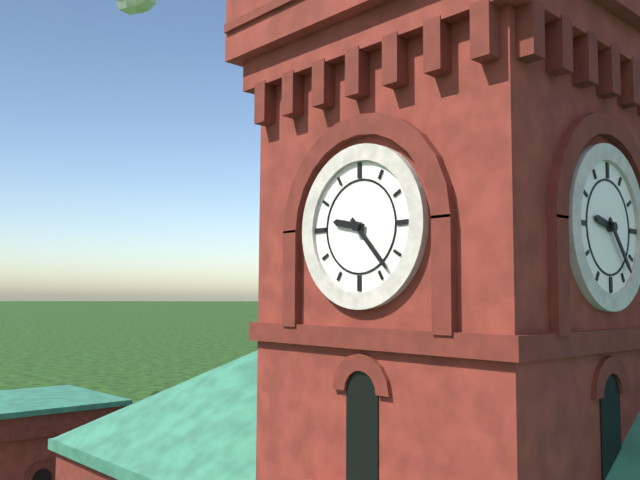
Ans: {"hour": 9, "minute": 23}
